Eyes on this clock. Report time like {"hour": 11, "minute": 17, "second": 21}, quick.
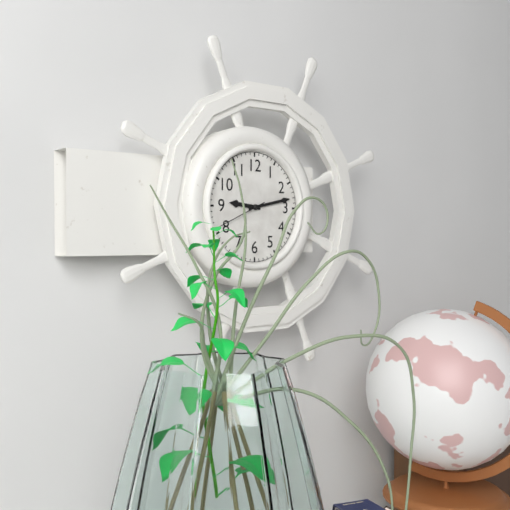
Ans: {"hour": 9, "minute": 13, "second": 41}
